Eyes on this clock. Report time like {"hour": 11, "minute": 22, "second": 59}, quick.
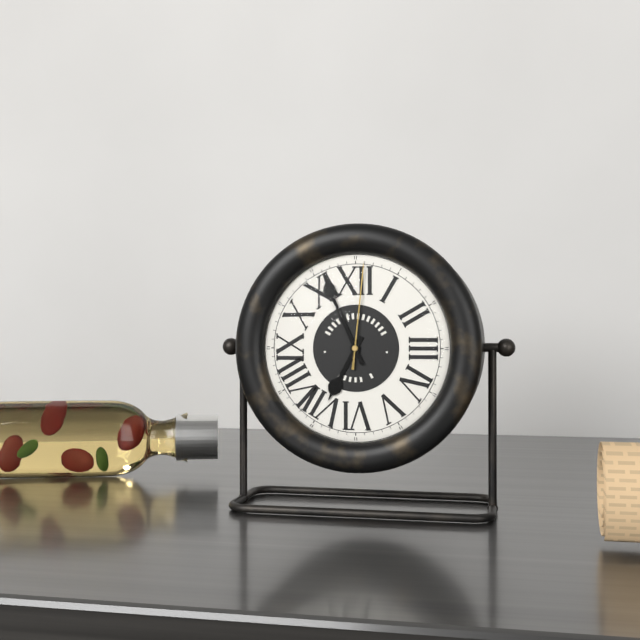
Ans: {"hour": 6, "minute": 56, "second": 1}
